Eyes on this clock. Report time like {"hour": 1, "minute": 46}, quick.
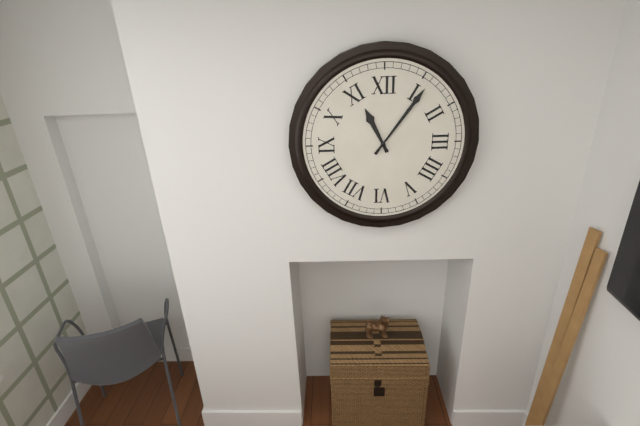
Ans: {"hour": 11, "minute": 6}
